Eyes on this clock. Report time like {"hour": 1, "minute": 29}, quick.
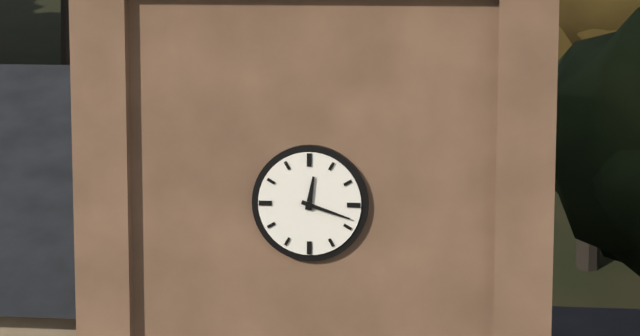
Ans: {"hour": 12, "minute": 18}
